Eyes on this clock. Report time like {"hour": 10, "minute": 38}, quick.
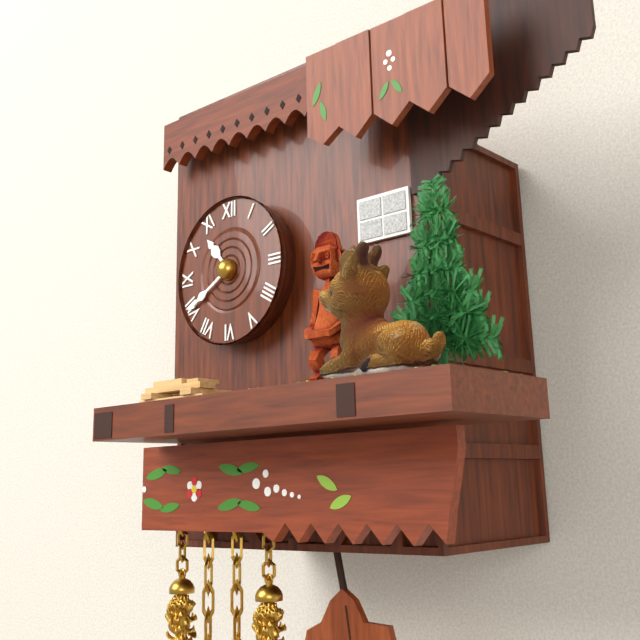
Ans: {"hour": 10, "minute": 40}
